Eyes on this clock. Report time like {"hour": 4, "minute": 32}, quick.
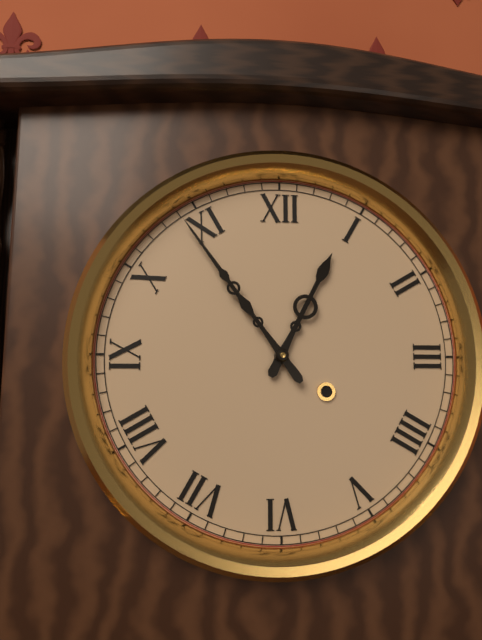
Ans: {"hour": 12, "minute": 54}
